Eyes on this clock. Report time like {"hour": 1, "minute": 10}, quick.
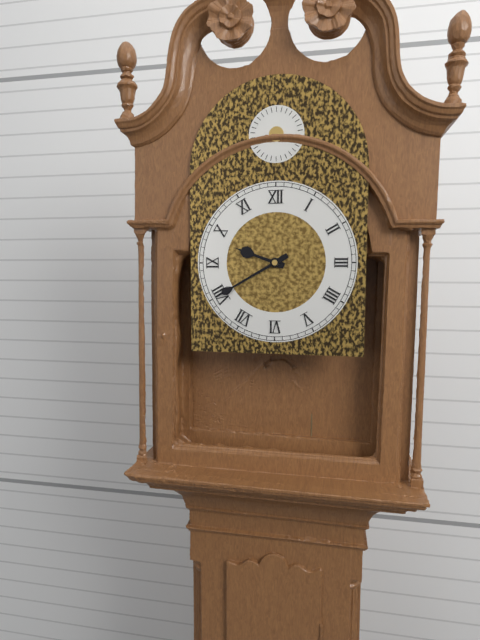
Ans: {"hour": 9, "minute": 40}
